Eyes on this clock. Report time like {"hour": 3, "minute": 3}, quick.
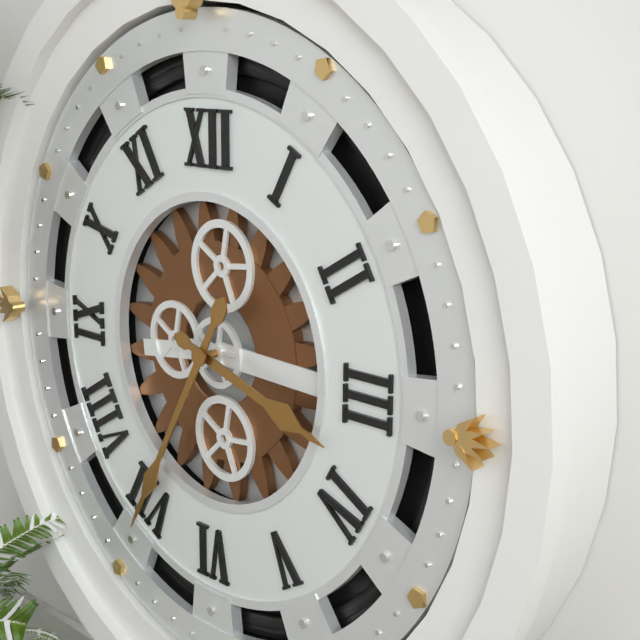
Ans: {"hour": 3, "minute": 35}
